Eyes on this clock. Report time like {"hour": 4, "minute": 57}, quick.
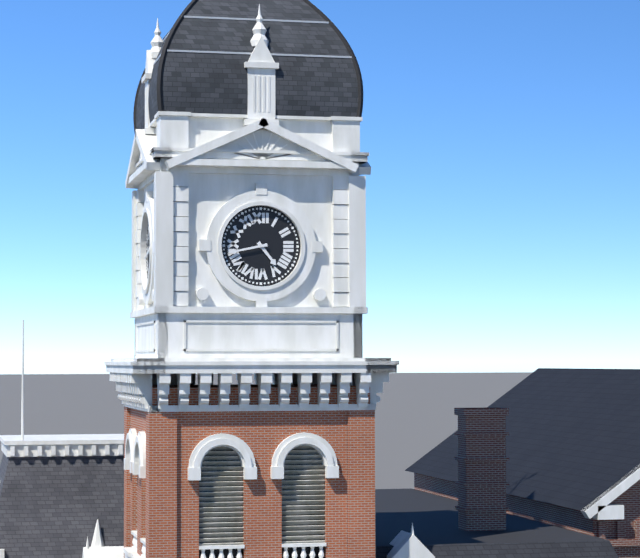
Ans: {"hour": 4, "minute": 43}
